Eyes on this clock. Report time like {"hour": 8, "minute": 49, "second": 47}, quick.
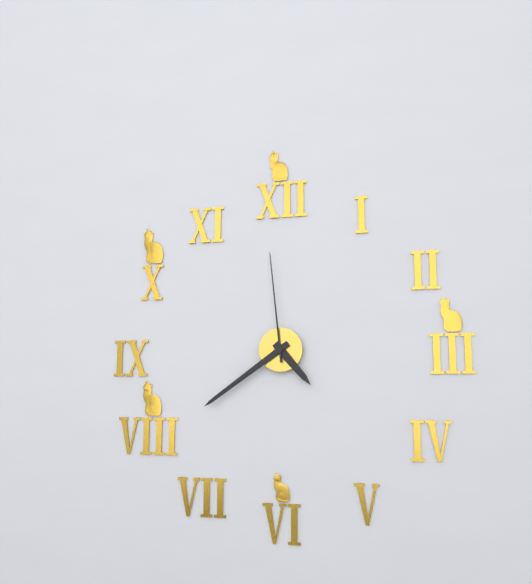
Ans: {"hour": 4, "minute": 39, "second": 59}
